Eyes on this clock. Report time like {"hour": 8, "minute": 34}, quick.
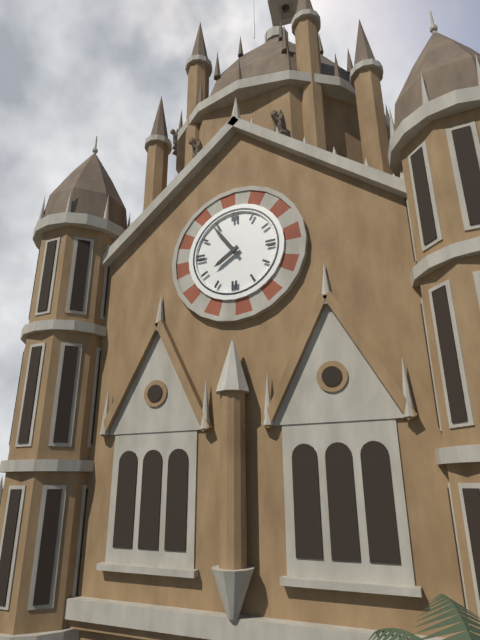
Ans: {"hour": 7, "minute": 54}
